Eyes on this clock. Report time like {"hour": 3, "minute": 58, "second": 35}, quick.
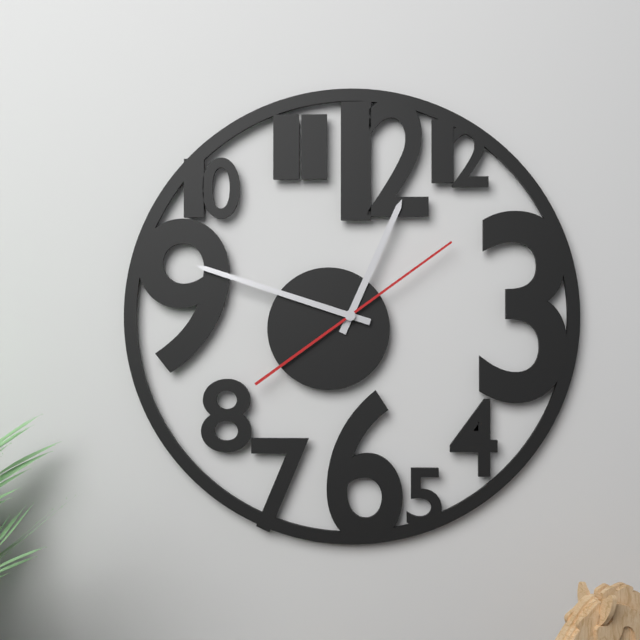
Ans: {"hour": 12, "minute": 48, "second": 9}
